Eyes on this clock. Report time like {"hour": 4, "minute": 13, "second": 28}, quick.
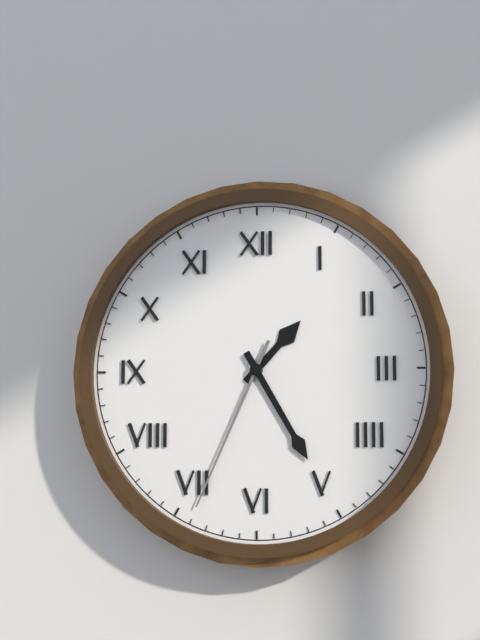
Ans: {"hour": 1, "minute": 25, "second": 34}
